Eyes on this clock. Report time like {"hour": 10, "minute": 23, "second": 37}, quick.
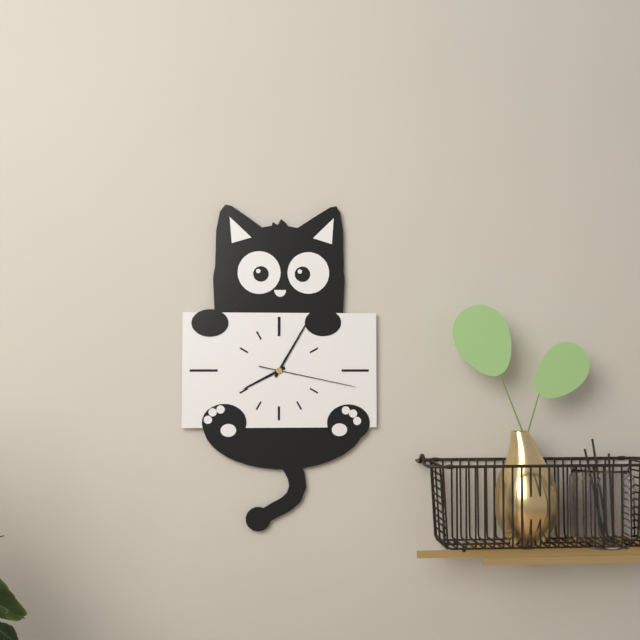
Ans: {"hour": 8, "minute": 5, "second": 17}
